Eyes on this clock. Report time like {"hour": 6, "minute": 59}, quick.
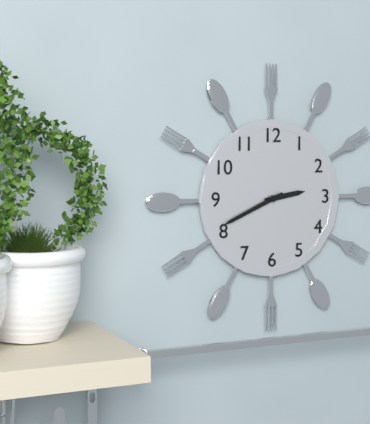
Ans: {"hour": 2, "minute": 41}
